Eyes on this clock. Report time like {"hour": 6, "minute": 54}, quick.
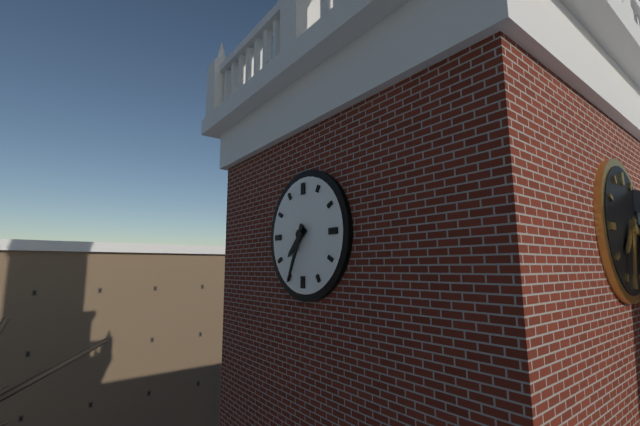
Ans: {"hour": 7, "minute": 34}
